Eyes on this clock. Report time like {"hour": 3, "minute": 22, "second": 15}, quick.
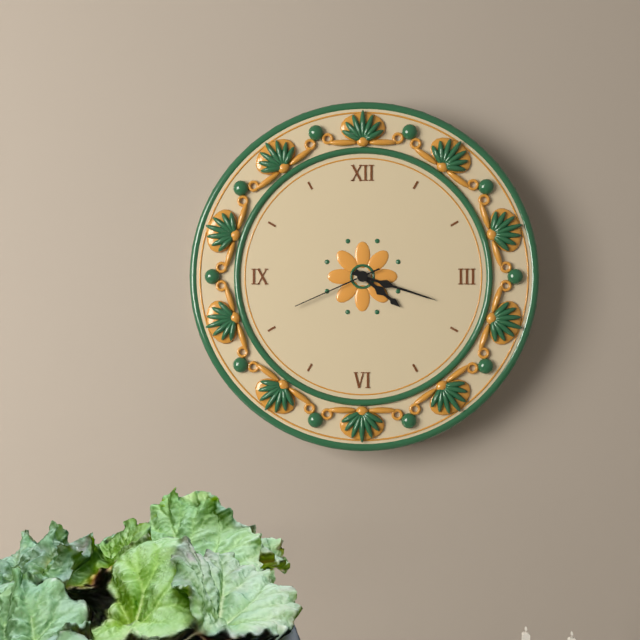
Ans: {"hour": 4, "minute": 18, "second": 41}
